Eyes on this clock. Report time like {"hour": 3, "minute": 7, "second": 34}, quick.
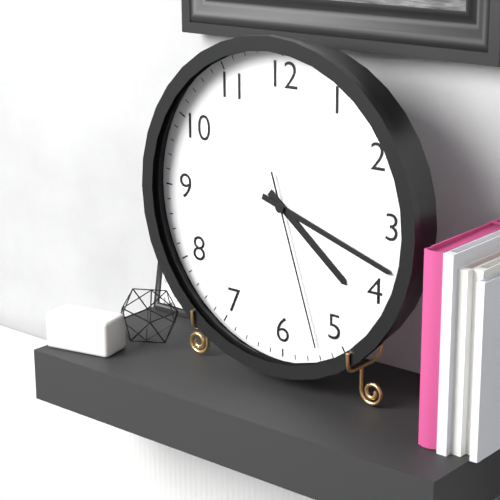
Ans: {"hour": 4, "minute": 18, "second": 27}
